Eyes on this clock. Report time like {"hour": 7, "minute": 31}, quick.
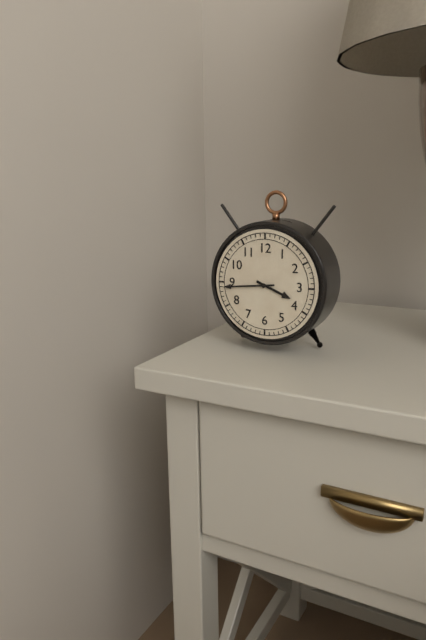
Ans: {"hour": 3, "minute": 44}
